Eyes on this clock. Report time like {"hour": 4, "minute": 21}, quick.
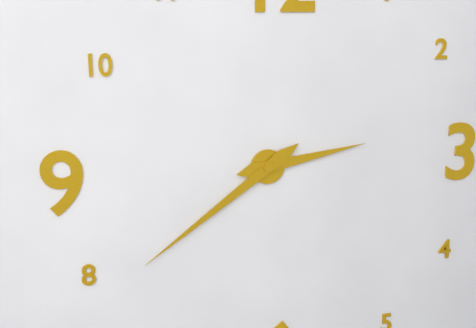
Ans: {"hour": 2, "minute": 39}
